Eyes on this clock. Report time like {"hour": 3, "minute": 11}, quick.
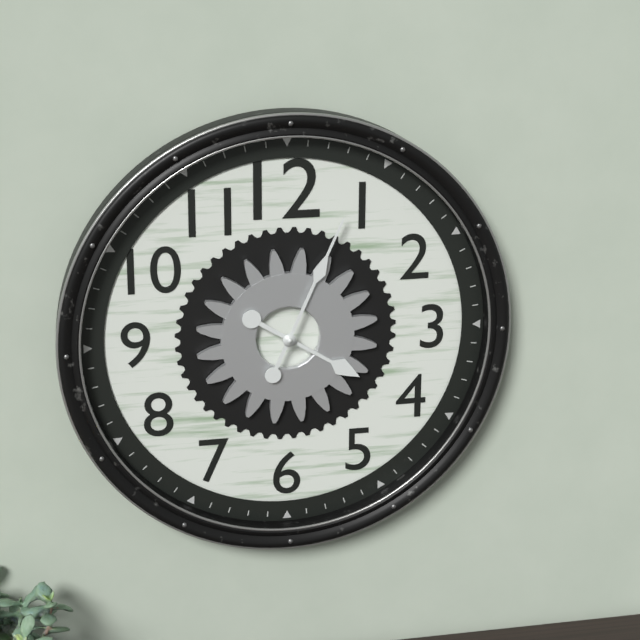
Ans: {"hour": 4, "minute": 4}
